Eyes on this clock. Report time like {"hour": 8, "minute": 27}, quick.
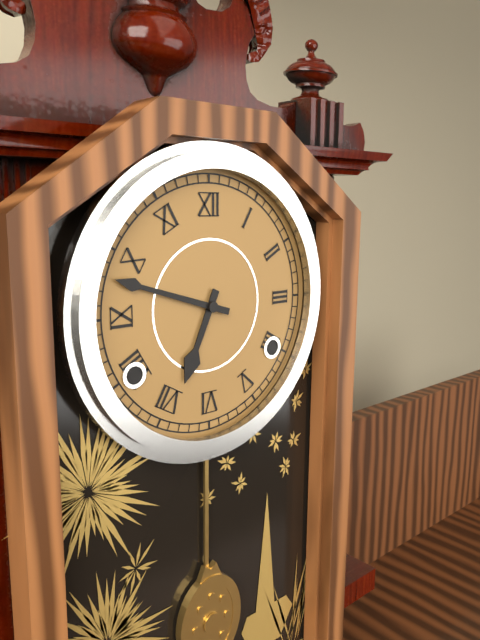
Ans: {"hour": 6, "minute": 48}
